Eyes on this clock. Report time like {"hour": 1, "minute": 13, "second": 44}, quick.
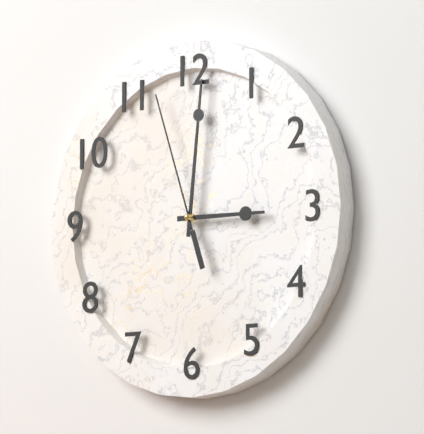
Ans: {"hour": 3, "minute": 1, "second": 57}
